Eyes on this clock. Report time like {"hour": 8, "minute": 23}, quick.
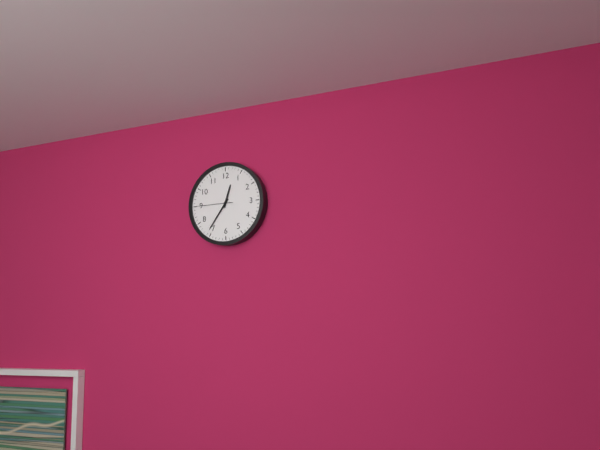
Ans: {"hour": 12, "minute": 36}
